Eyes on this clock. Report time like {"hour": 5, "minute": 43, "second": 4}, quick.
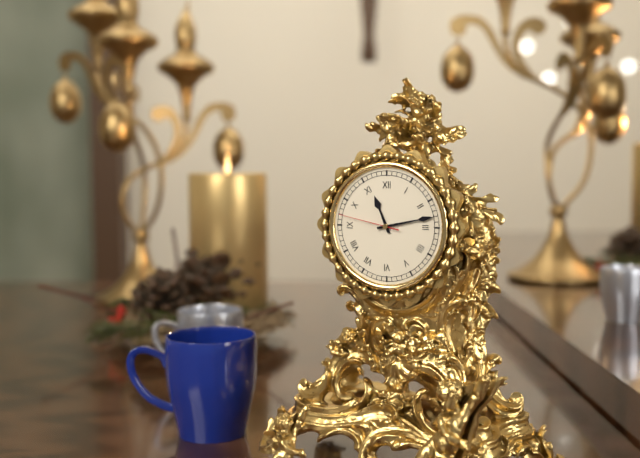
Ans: {"hour": 11, "minute": 13, "second": 47}
